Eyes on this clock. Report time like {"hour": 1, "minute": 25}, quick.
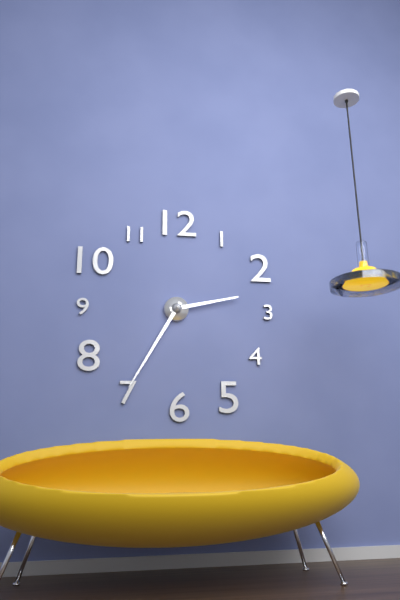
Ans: {"hour": 2, "minute": 35}
